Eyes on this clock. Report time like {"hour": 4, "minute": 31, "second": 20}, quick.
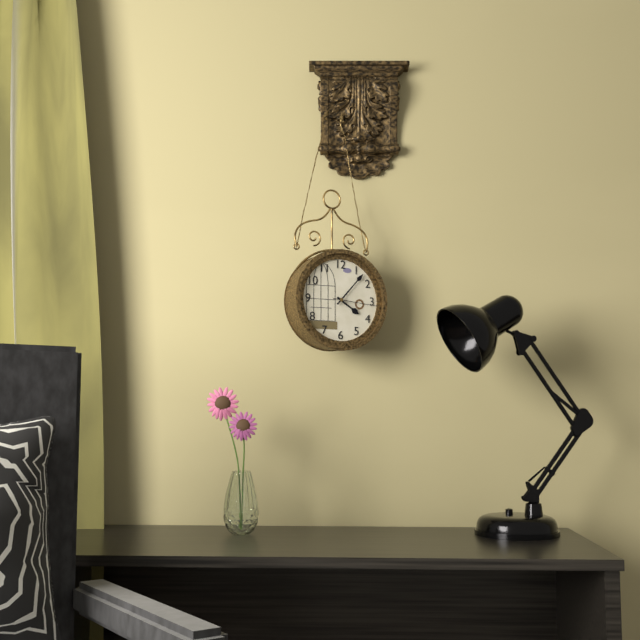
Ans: {"hour": 4, "minute": 7, "second": 16}
